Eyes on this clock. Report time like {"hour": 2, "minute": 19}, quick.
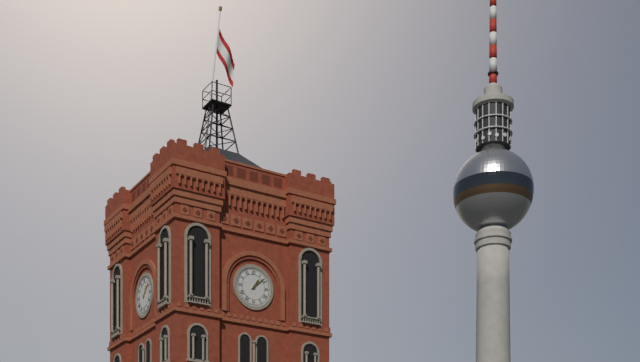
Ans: {"hour": 1, "minute": 8}
